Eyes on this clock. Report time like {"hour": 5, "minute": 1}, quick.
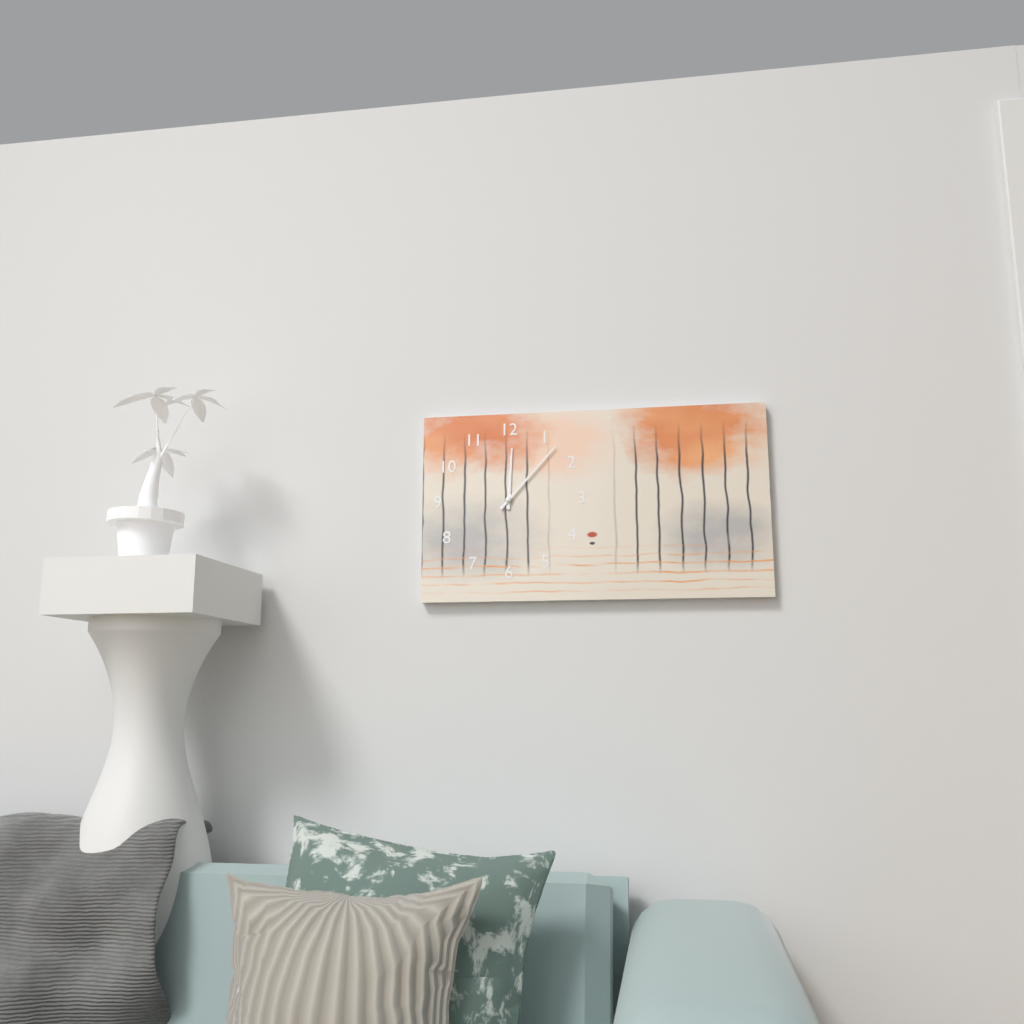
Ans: {"hour": 12, "minute": 7}
